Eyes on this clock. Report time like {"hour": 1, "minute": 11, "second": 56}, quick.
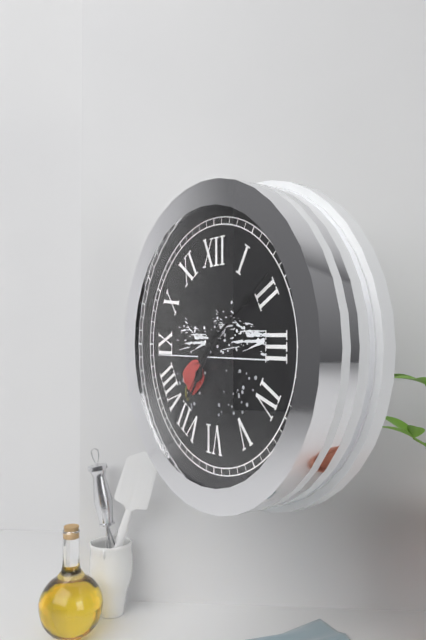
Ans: {"hour": 7, "minute": 9, "second": 36}
